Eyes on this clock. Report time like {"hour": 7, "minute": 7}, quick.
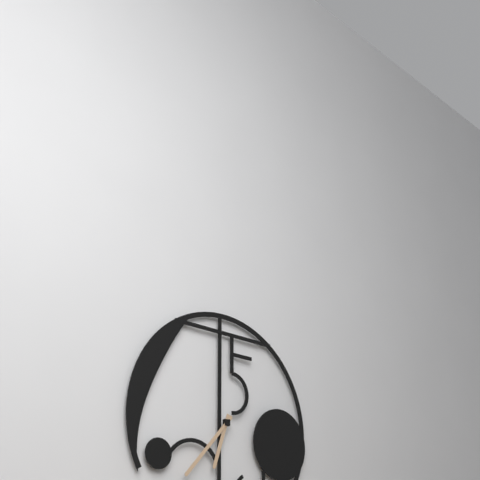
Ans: {"hour": 6, "minute": 37}
